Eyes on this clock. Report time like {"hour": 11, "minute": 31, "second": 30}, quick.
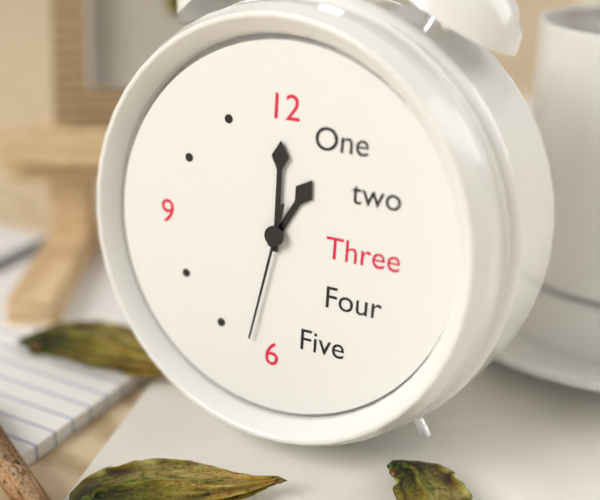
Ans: {"hour": 1, "minute": 0, "second": 32}
